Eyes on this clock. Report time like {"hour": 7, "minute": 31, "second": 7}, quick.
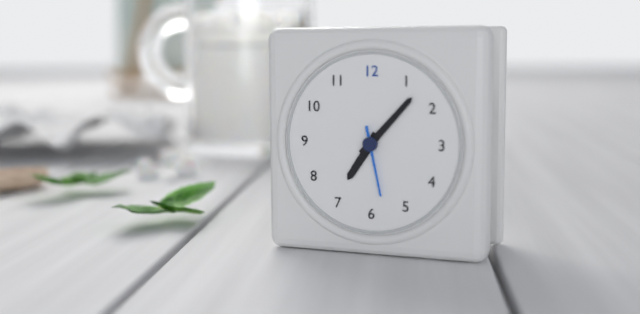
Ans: {"hour": 7, "minute": 7, "second": 28}
